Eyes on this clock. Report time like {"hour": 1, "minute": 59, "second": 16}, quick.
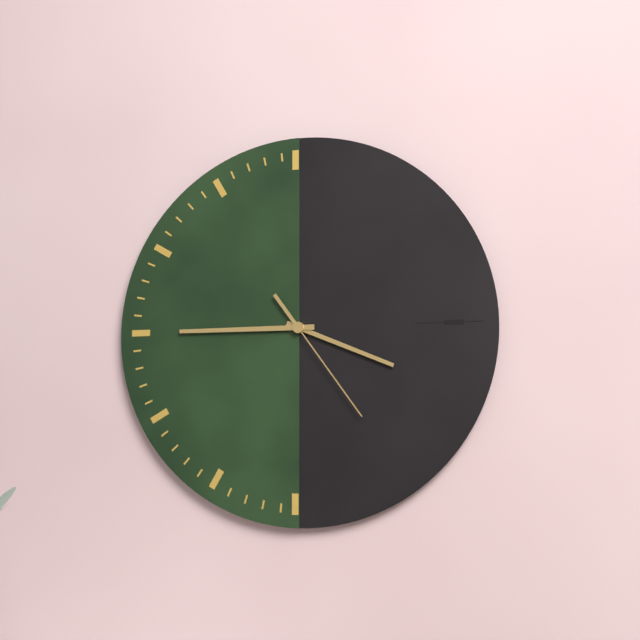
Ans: {"hour": 3, "minute": 45, "second": 24}
